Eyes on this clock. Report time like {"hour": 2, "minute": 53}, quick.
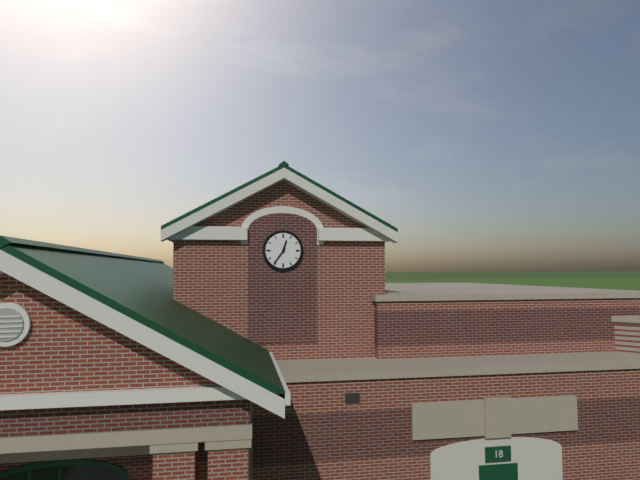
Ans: {"hour": 12, "minute": 36}
